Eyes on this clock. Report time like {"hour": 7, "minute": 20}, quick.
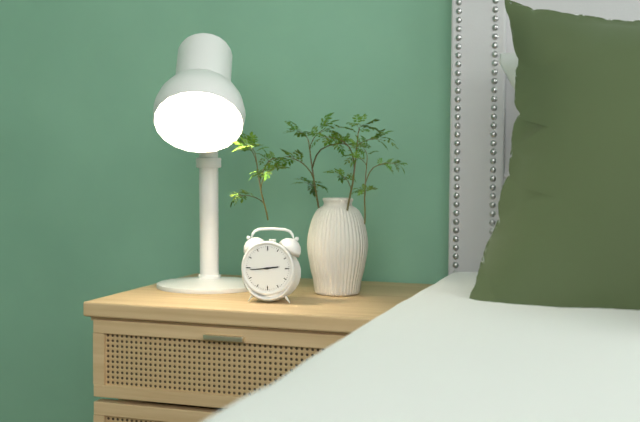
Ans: {"hour": 2, "minute": 44}
